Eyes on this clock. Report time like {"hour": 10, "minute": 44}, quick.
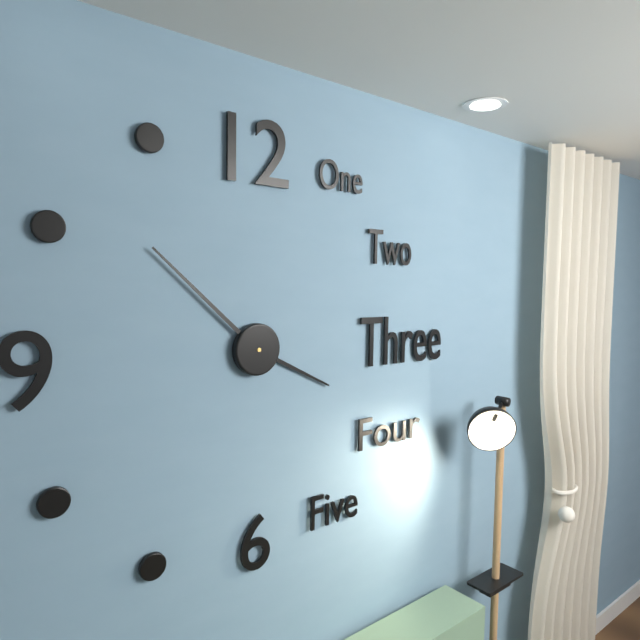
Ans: {"hour": 3, "minute": 52}
